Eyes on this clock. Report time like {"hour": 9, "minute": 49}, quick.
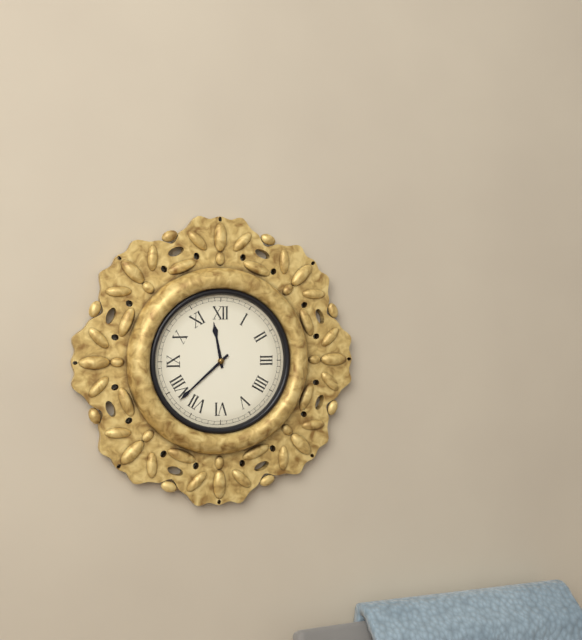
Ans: {"hour": 11, "minute": 38}
